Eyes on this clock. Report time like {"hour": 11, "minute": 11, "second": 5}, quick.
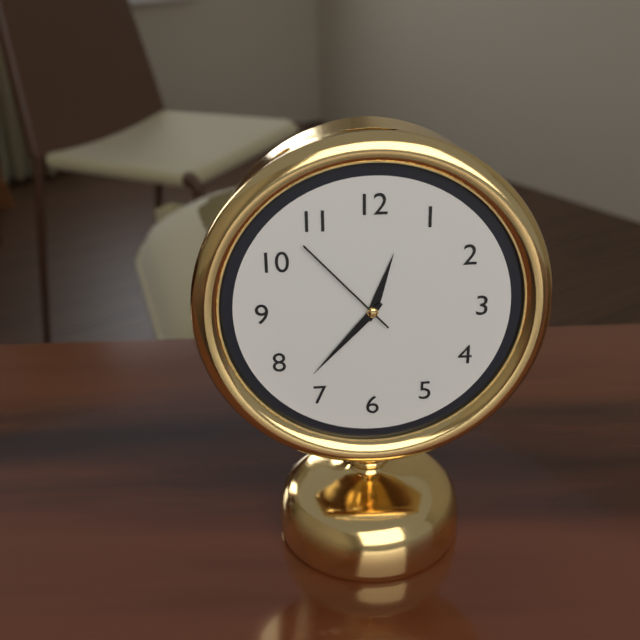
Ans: {"hour": 12, "minute": 37, "second": 53}
